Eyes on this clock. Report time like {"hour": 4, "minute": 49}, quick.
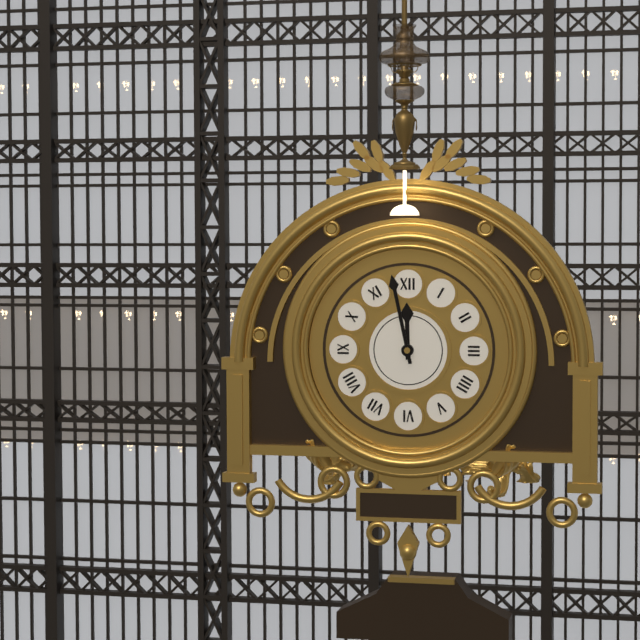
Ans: {"hour": 11, "minute": 58}
